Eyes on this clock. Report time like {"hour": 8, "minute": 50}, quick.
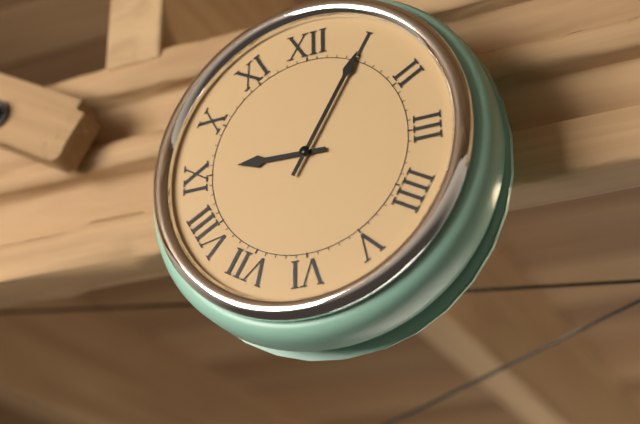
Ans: {"hour": 9, "minute": 5}
